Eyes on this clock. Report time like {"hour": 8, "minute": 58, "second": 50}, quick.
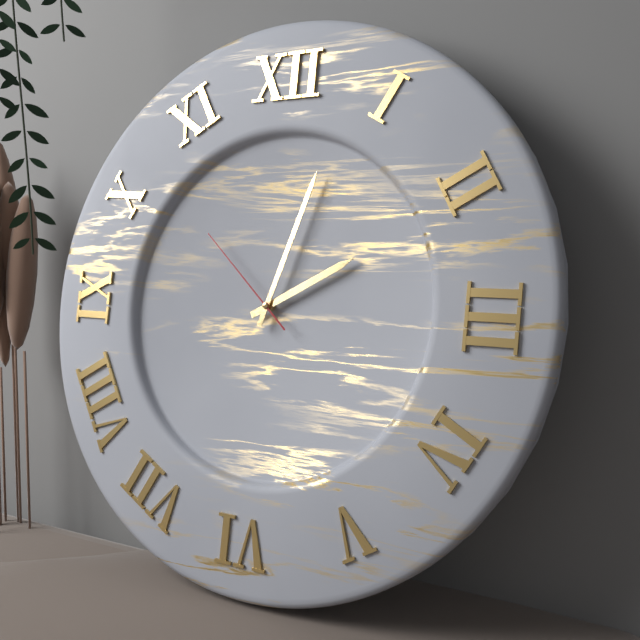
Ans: {"hour": 2, "minute": 3, "second": 52}
